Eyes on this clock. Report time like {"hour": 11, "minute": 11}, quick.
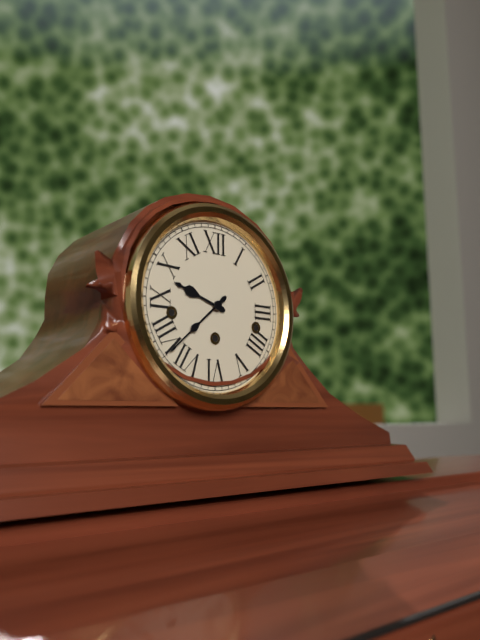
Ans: {"hour": 9, "minute": 38}
